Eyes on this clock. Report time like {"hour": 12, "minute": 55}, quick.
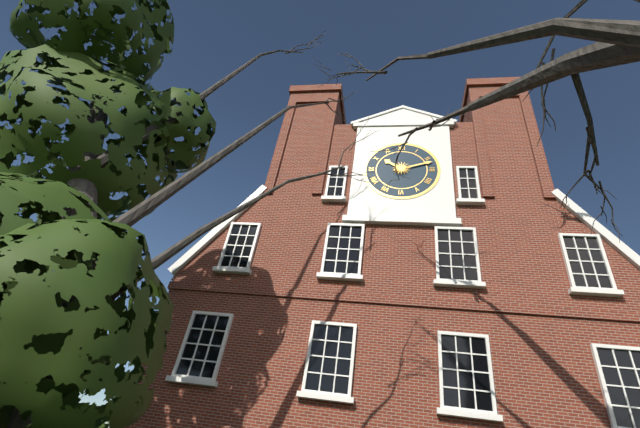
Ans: {"hour": 10, "minute": 12}
